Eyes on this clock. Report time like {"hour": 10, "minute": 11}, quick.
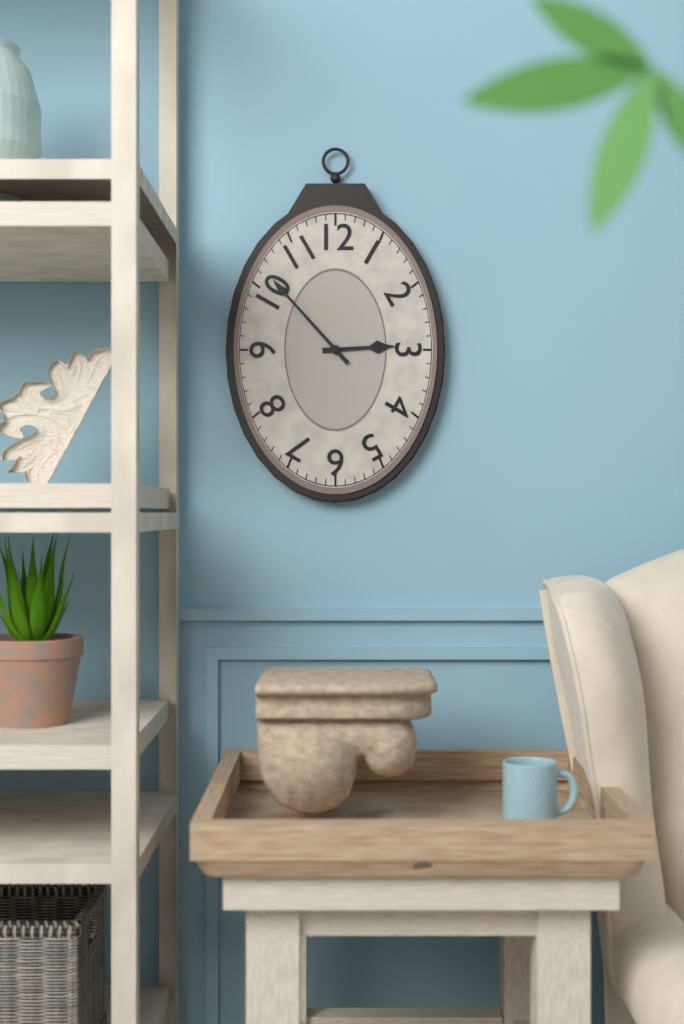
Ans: {"hour": 2, "minute": 53}
